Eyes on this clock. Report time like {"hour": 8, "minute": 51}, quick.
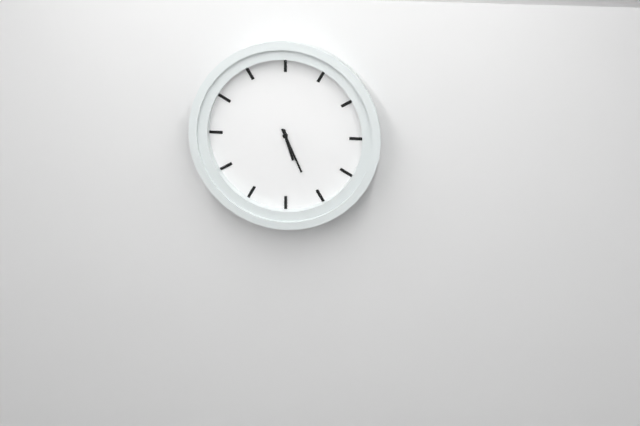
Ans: {"hour": 5, "minute": 26}
